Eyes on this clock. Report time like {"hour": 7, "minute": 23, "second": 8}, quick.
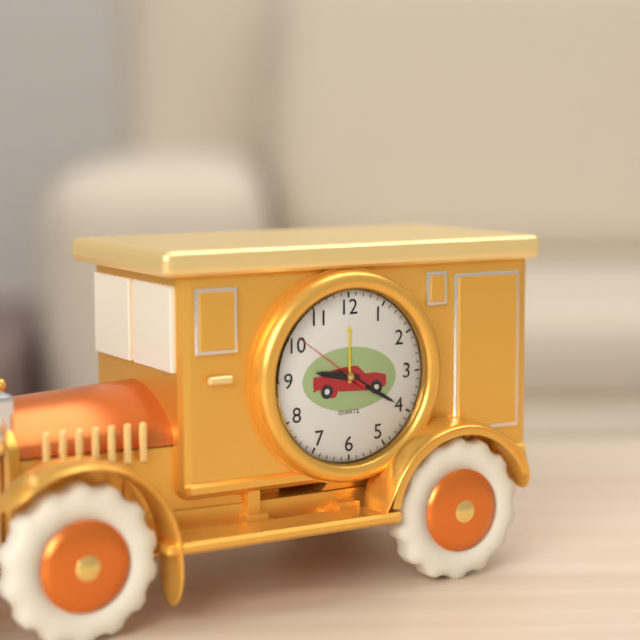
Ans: {"hour": 9, "minute": 20, "second": 51}
